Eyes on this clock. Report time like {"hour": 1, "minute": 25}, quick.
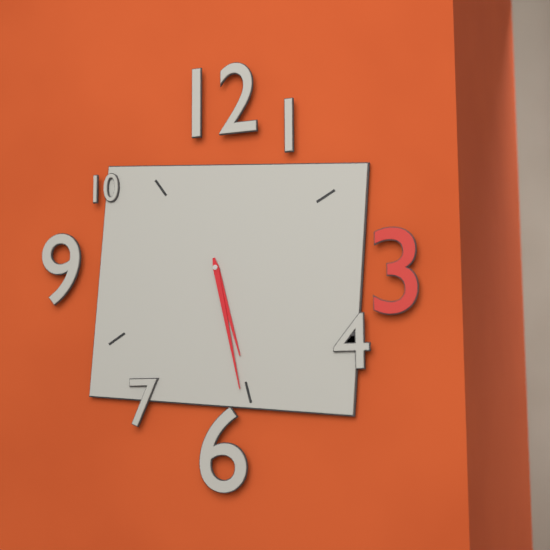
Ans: {"hour": 5, "minute": 28}
